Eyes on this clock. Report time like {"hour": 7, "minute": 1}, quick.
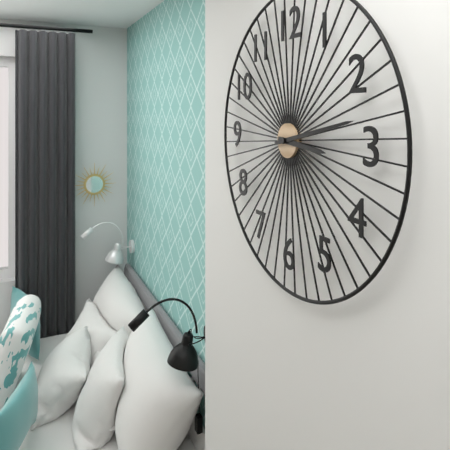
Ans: {"hour": 3, "minute": 13}
